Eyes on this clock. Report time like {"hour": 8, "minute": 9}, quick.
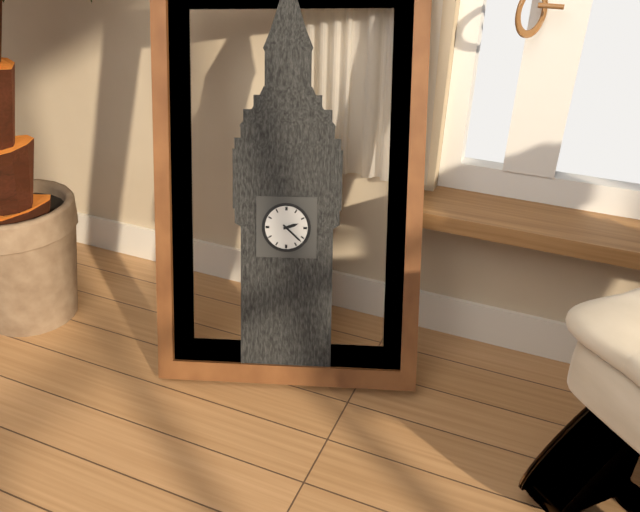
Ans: {"hour": 2, "minute": 22}
